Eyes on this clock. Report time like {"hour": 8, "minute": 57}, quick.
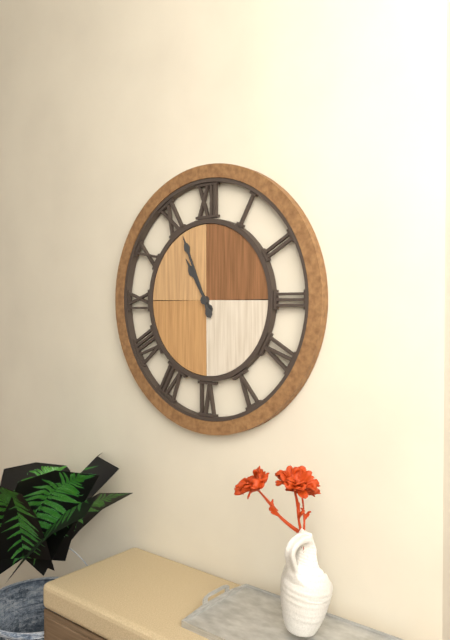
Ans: {"hour": 10, "minute": 56}
